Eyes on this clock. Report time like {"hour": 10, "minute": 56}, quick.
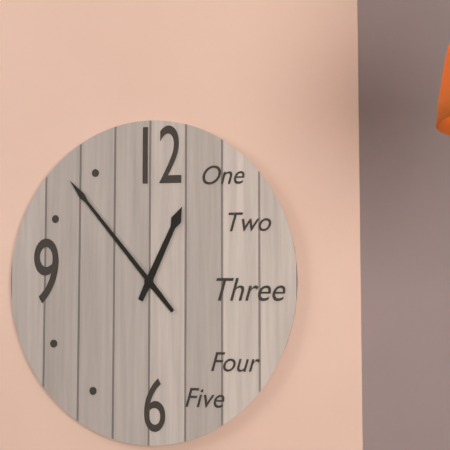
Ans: {"hour": 12, "minute": 53}
